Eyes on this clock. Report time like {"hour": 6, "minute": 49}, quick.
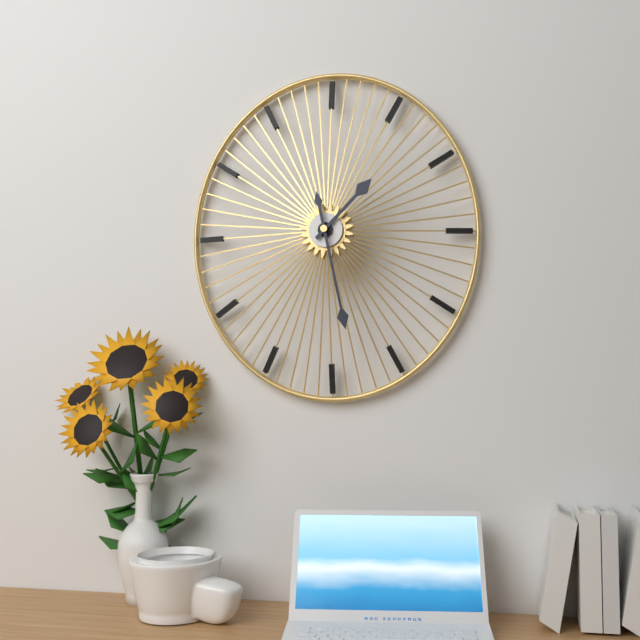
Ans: {"hour": 1, "minute": 28}
